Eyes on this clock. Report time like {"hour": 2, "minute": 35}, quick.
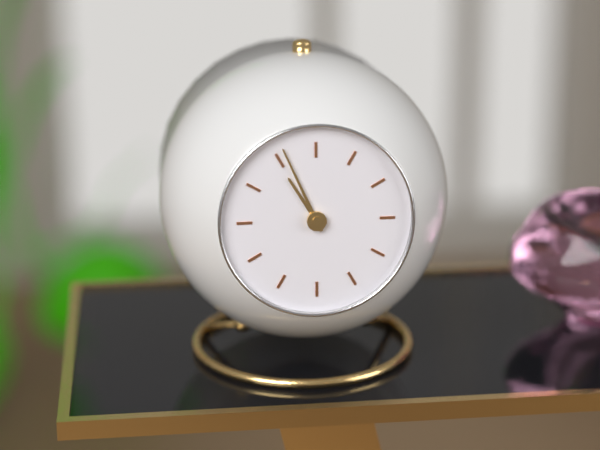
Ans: {"hour": 10, "minute": 56}
